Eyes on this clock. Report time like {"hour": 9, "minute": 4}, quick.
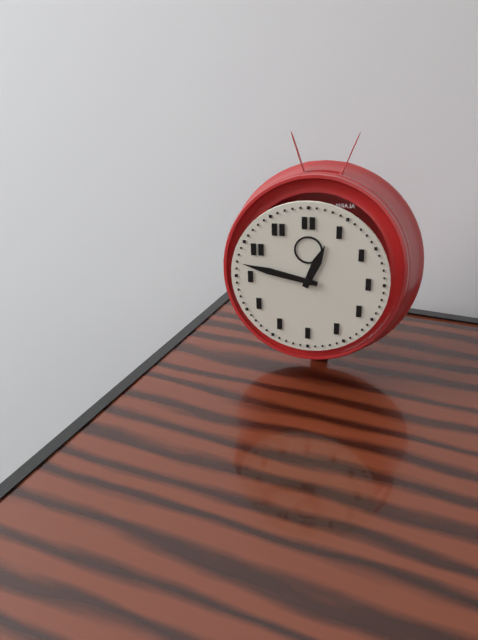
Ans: {"hour": 12, "minute": 47}
